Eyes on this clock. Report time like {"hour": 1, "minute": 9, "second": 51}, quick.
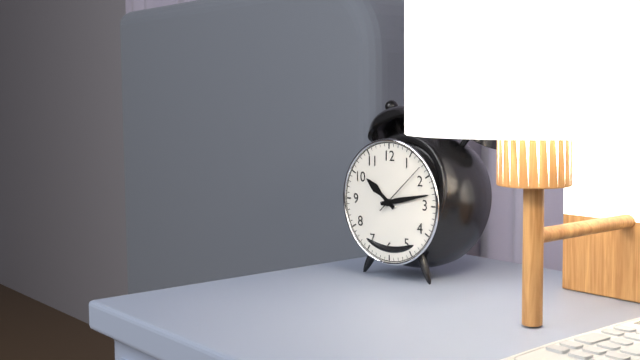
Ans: {"hour": 10, "minute": 13, "second": 8}
